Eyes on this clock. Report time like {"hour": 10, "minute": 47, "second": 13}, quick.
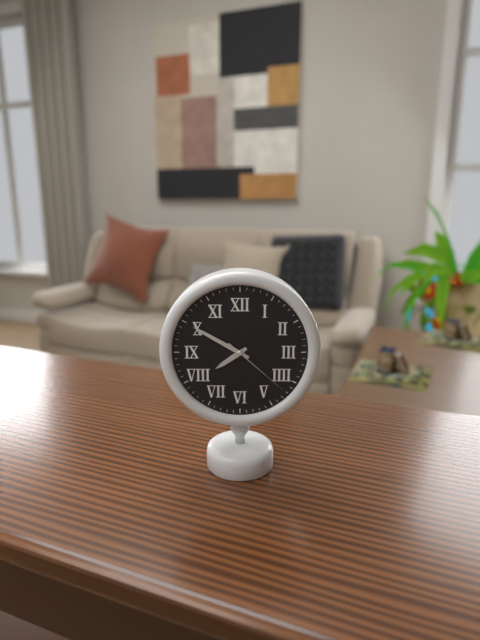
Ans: {"hour": 7, "minute": 50, "second": 22}
